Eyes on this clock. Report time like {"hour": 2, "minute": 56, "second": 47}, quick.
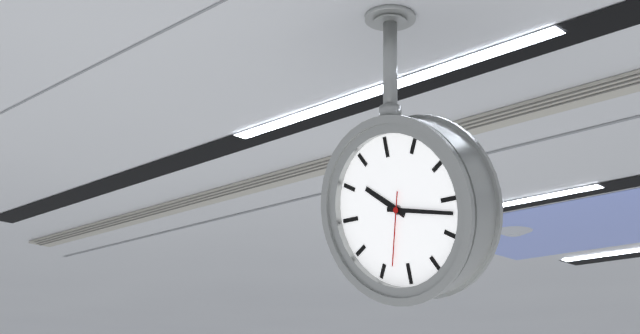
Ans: {"hour": 10, "minute": 17, "second": 33}
